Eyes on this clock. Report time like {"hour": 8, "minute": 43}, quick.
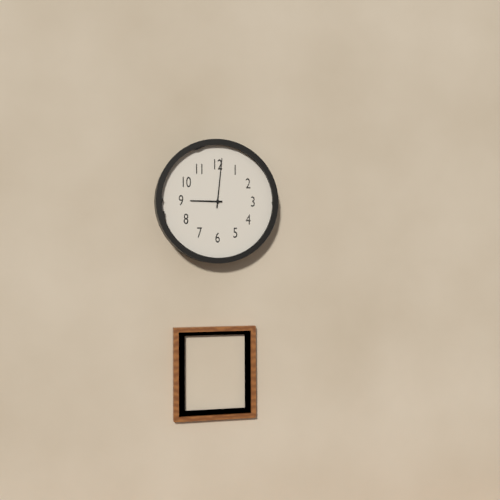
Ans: {"hour": 9, "minute": 1}
